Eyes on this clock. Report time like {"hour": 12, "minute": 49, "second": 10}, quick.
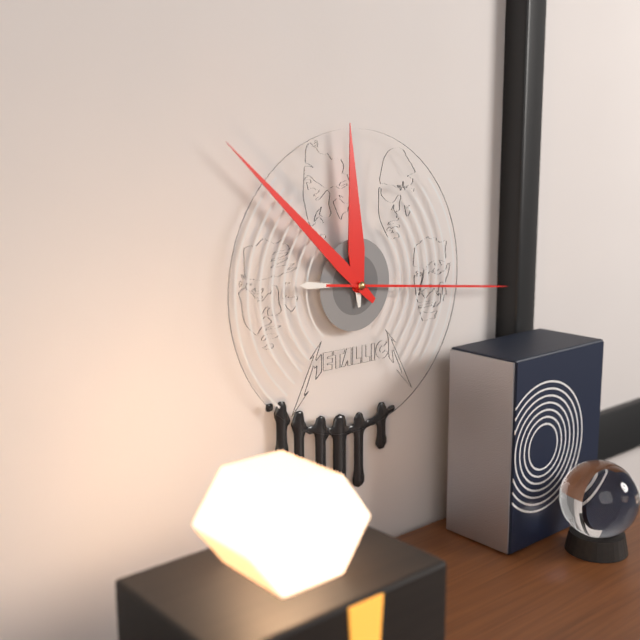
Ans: {"hour": 11, "minute": 52, "second": 16}
